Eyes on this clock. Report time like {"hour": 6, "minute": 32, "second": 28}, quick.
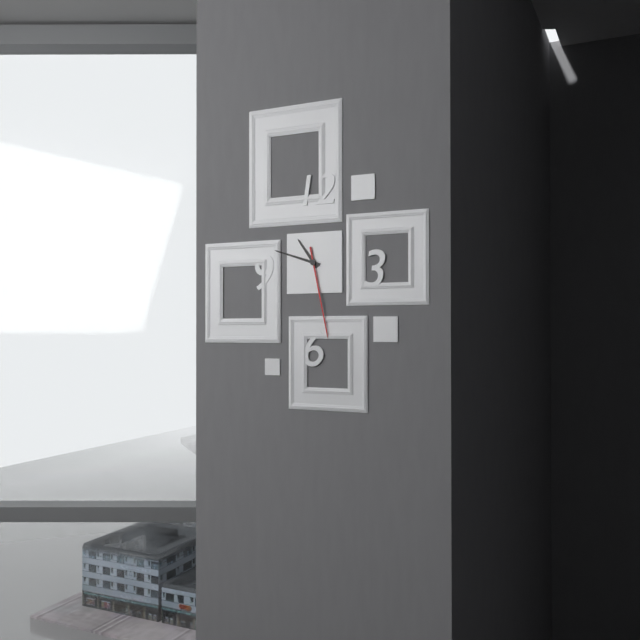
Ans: {"hour": 10, "minute": 48, "second": 28}
